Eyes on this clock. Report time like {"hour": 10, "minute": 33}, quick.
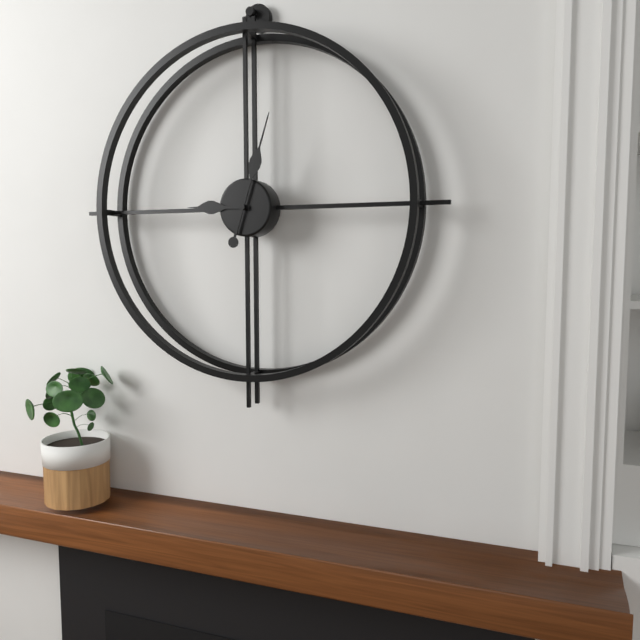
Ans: {"hour": 9, "minute": 3}
